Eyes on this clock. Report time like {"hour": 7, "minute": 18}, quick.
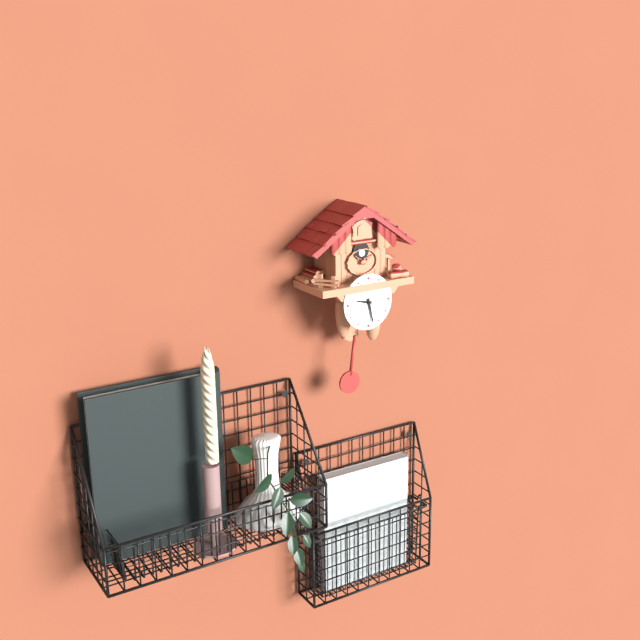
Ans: {"hour": 9, "minute": 28}
